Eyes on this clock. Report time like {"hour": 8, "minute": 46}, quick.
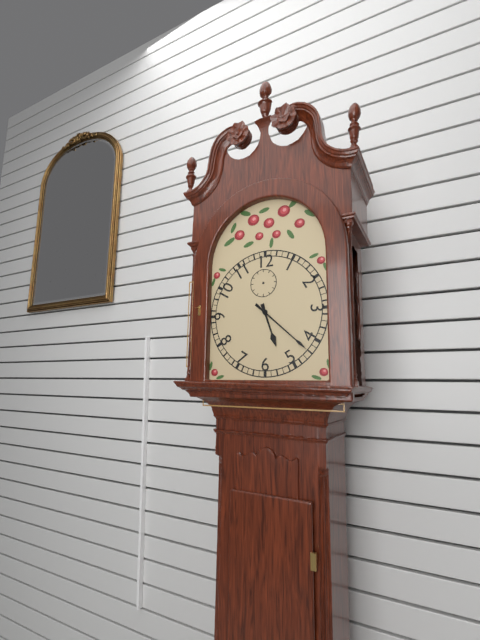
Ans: {"hour": 5, "minute": 22}
